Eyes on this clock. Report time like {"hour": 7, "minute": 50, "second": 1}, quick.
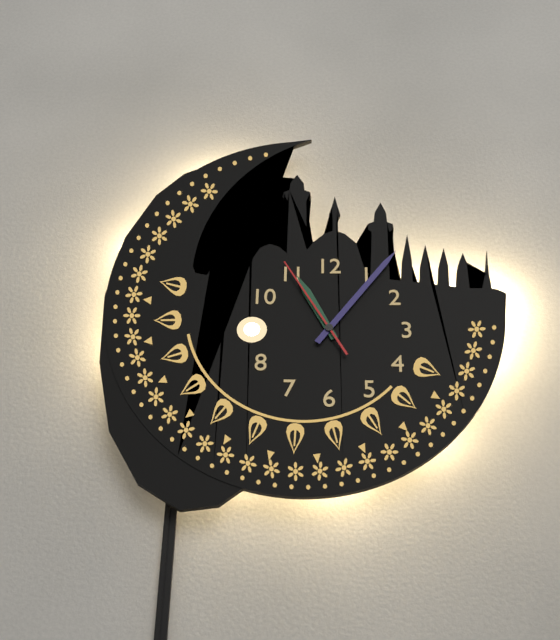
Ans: {"hour": 11, "minute": 6, "second": 55}
